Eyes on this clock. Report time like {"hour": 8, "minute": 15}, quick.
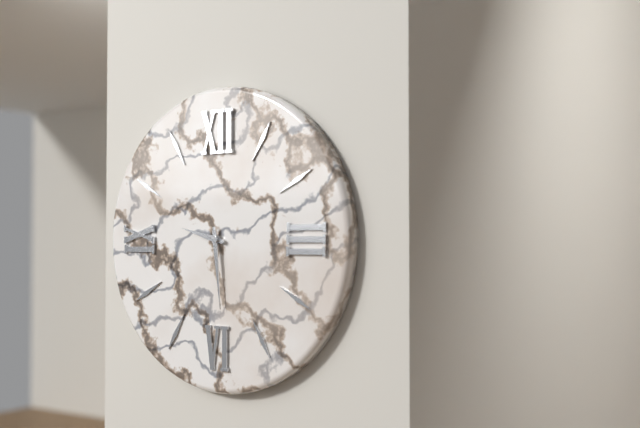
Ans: {"hour": 9, "minute": 29}
